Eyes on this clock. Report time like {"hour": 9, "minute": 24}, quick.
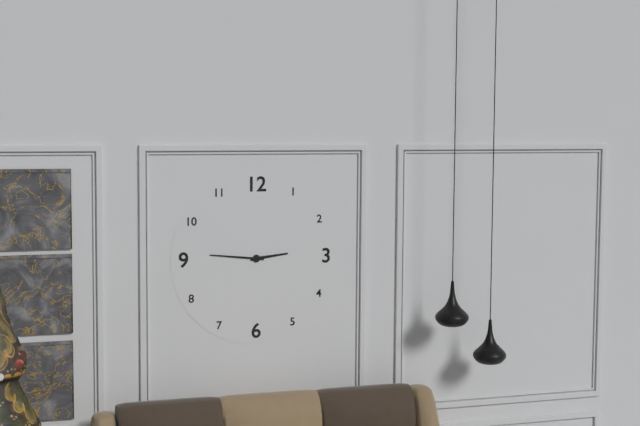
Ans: {"hour": 2, "minute": 46}
